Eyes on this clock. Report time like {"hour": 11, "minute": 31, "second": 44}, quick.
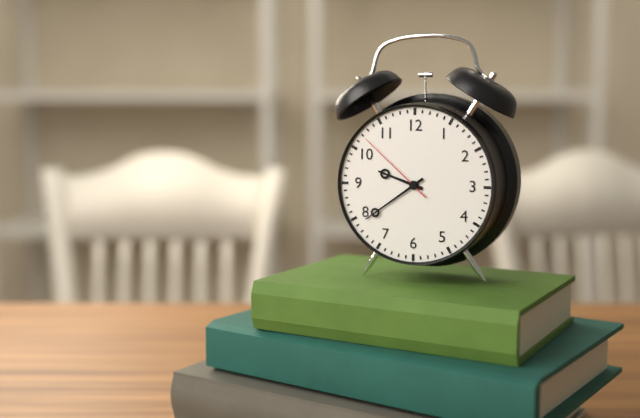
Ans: {"hour": 9, "minute": 39, "second": 52}
